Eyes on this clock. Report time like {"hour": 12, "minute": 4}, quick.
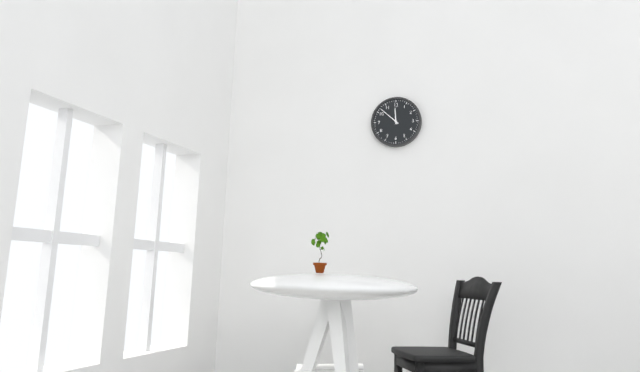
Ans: {"hour": 11, "minute": 52}
